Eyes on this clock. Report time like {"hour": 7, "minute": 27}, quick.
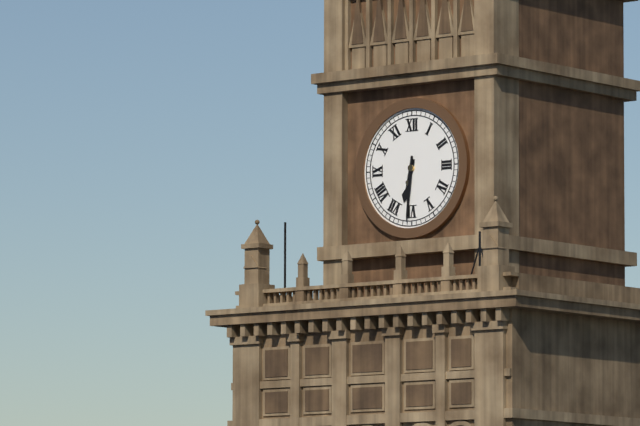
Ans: {"hour": 6, "minute": 31}
